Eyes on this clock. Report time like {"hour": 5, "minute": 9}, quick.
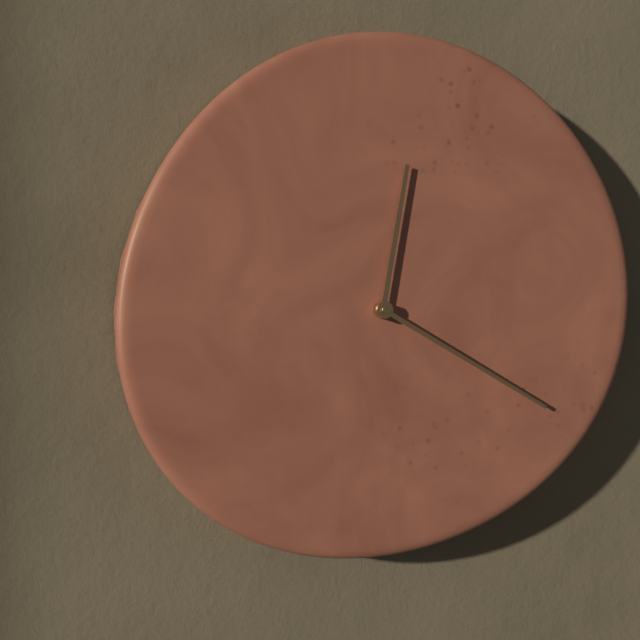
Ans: {"hour": 12, "minute": 20}
